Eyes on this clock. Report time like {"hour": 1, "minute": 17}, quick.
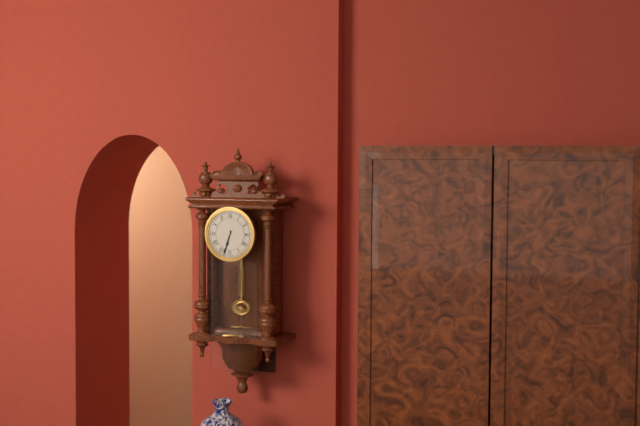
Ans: {"hour": 6, "minute": 33}
